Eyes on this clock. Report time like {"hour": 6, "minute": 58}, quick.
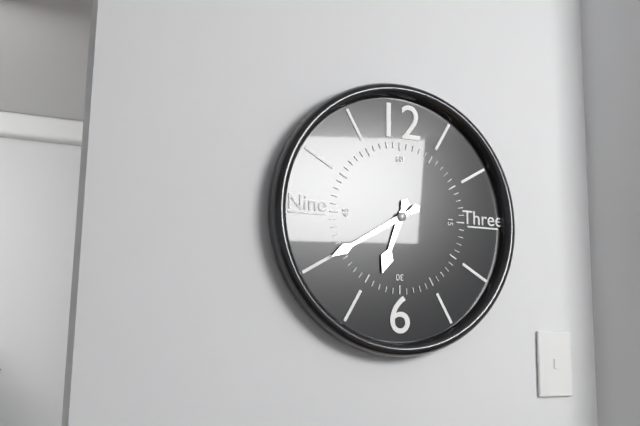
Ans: {"hour": 6, "minute": 40}
